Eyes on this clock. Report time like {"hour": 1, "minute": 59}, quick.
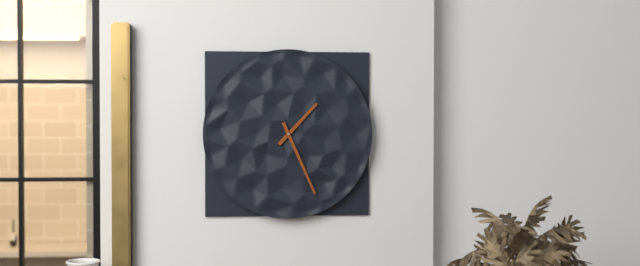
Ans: {"hour": 1, "minute": 26}
